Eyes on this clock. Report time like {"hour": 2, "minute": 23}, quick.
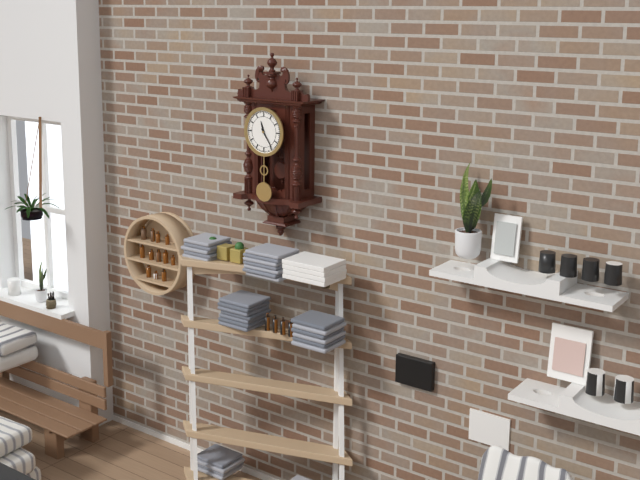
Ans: {"hour": 11, "minute": 24}
